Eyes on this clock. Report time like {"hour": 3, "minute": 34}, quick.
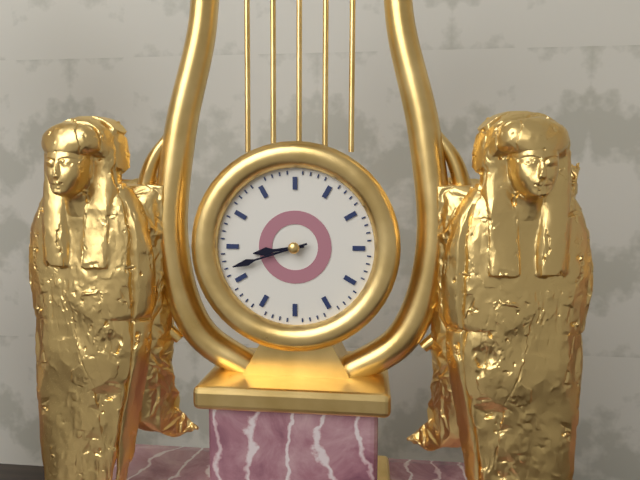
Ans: {"hour": 8, "minute": 42}
